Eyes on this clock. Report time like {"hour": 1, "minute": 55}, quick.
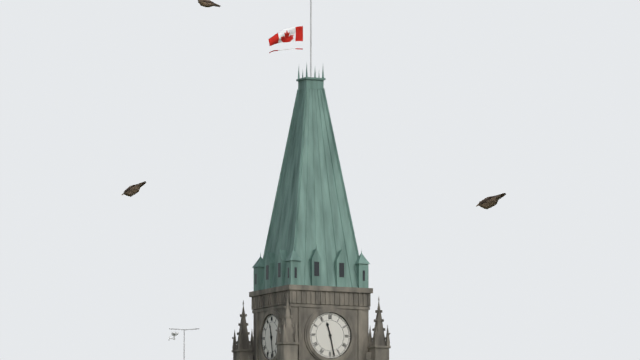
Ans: {"hour": 11, "minute": 28}
